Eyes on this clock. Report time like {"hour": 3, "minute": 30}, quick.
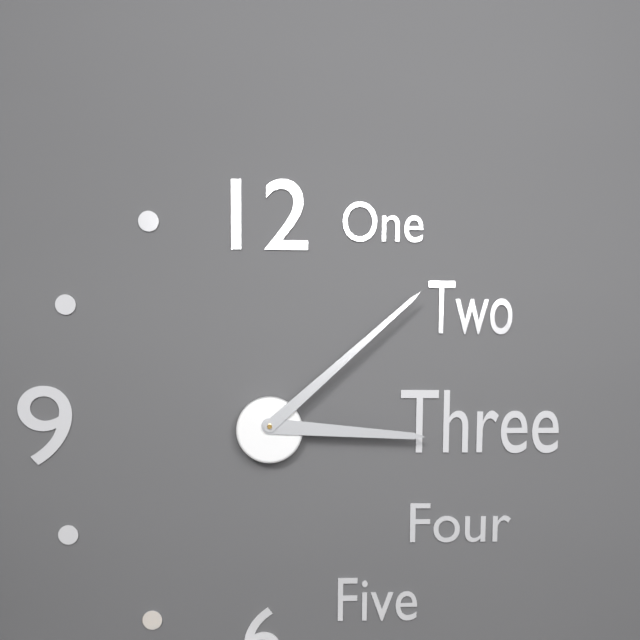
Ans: {"hour": 3, "minute": 8}
